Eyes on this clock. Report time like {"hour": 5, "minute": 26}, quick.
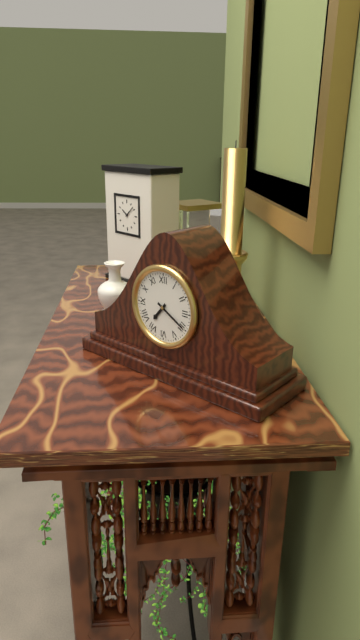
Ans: {"hour": 7, "minute": 20}
